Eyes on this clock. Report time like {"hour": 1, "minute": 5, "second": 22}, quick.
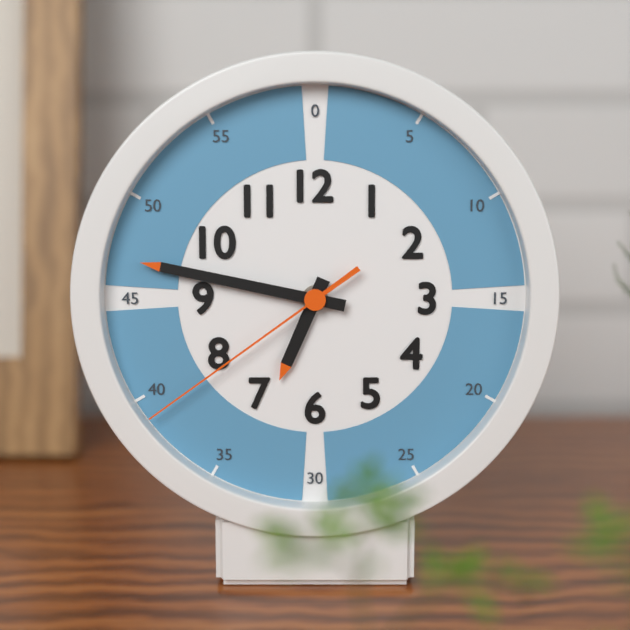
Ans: {"hour": 6, "minute": 47, "second": 39}
